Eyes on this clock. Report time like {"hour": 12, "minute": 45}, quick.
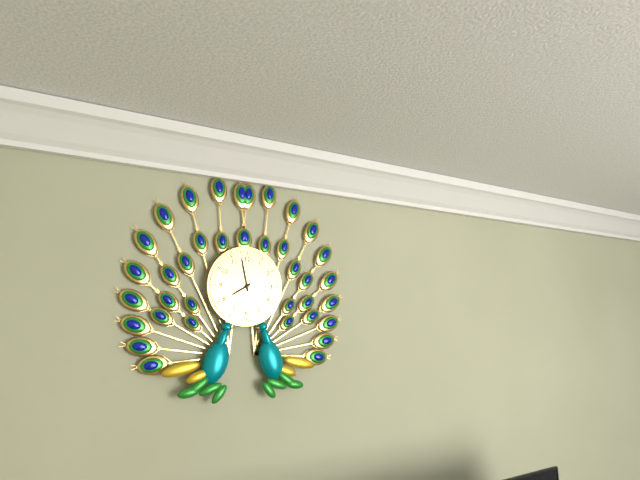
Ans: {"hour": 7, "minute": 58}
